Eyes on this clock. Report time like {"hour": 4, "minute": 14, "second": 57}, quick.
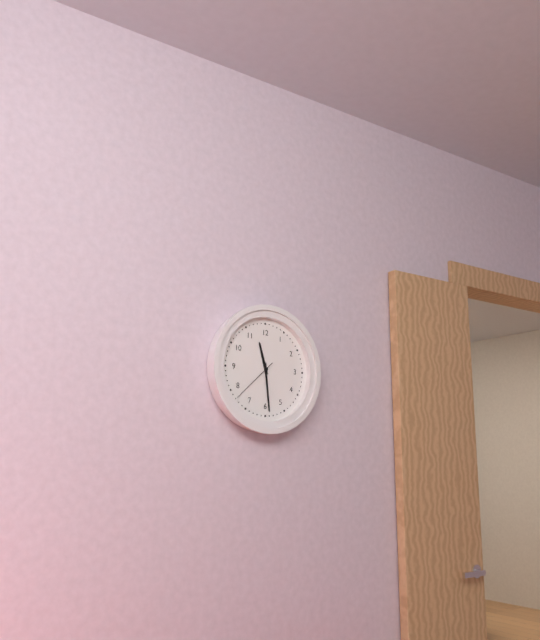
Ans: {"hour": 11, "minute": 29, "second": 38}
